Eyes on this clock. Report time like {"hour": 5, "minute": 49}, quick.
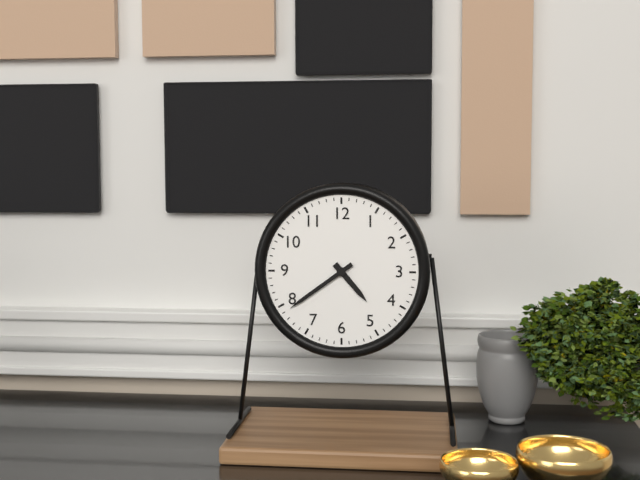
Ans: {"hour": 4, "minute": 39}
